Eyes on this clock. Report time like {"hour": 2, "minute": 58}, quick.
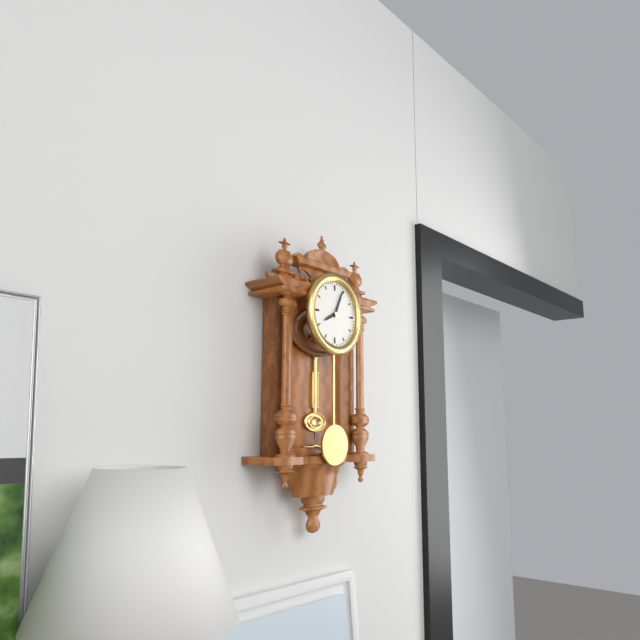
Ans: {"hour": 8, "minute": 4}
